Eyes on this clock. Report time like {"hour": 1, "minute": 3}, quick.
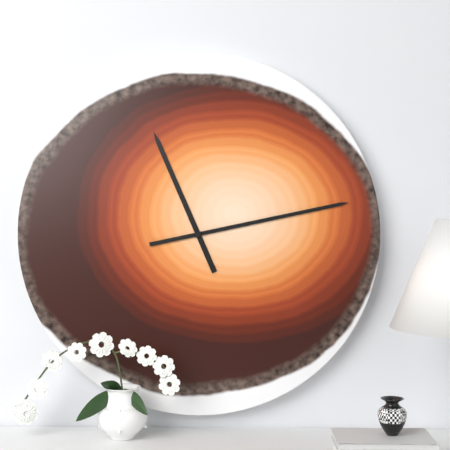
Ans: {"hour": 11, "minute": 13}
